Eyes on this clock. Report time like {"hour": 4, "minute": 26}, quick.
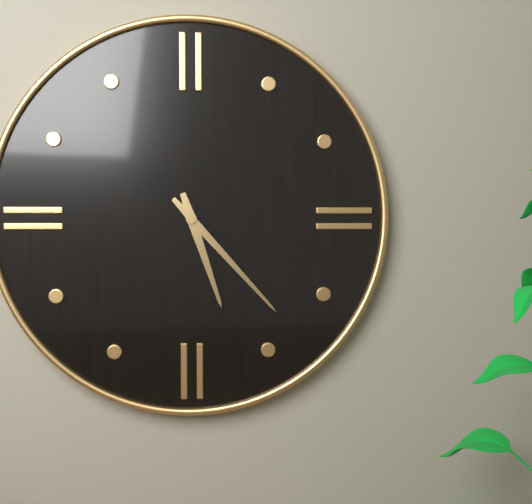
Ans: {"hour": 5, "minute": 23}
